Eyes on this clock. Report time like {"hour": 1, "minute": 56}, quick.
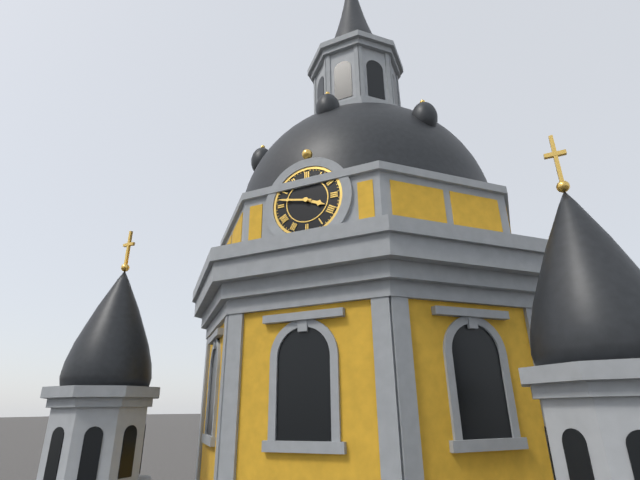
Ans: {"hour": 3, "minute": 47}
